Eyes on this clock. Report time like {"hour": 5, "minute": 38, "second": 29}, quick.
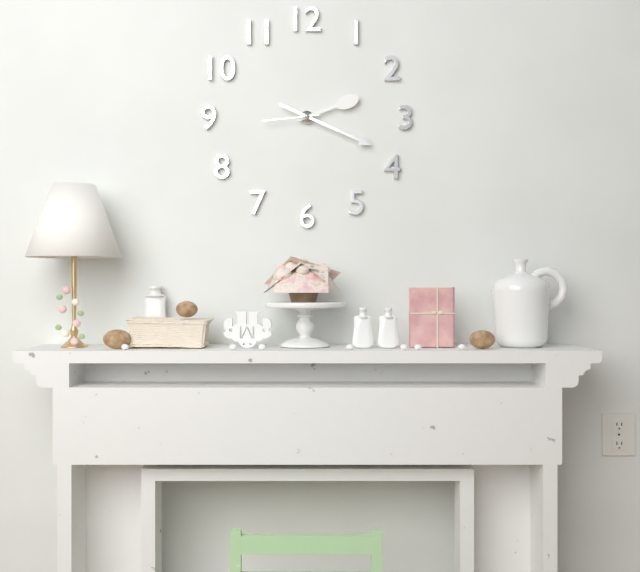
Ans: {"hour": 2, "minute": 19, "second": 44}
